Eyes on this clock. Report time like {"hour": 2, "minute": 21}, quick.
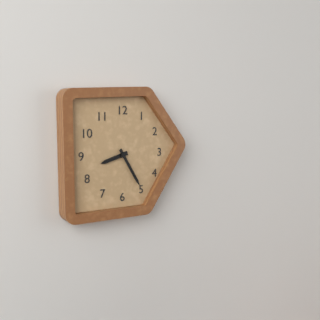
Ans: {"hour": 8, "minute": 25}
